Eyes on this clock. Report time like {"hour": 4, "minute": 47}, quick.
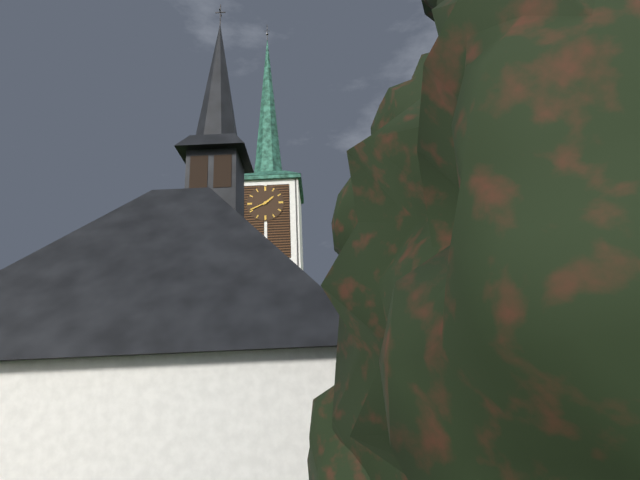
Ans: {"hour": 1, "minute": 41}
